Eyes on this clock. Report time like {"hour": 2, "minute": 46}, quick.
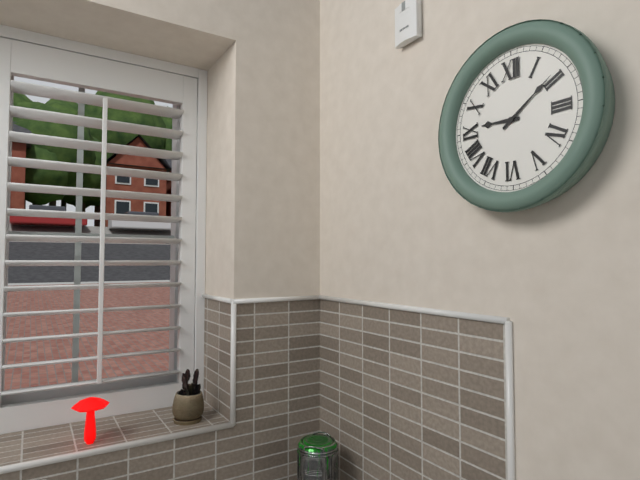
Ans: {"hour": 9, "minute": 9}
